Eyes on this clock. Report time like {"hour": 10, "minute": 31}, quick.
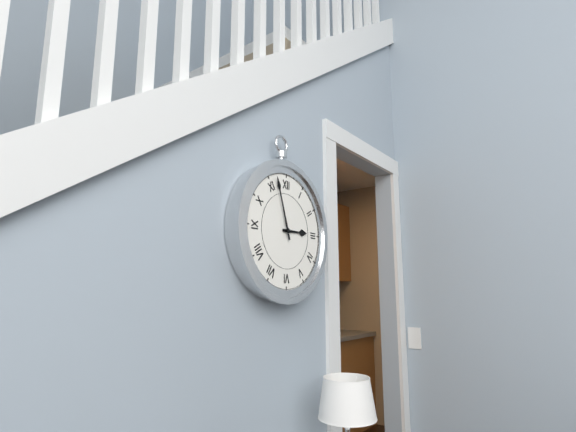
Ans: {"hour": 2, "minute": 57}
